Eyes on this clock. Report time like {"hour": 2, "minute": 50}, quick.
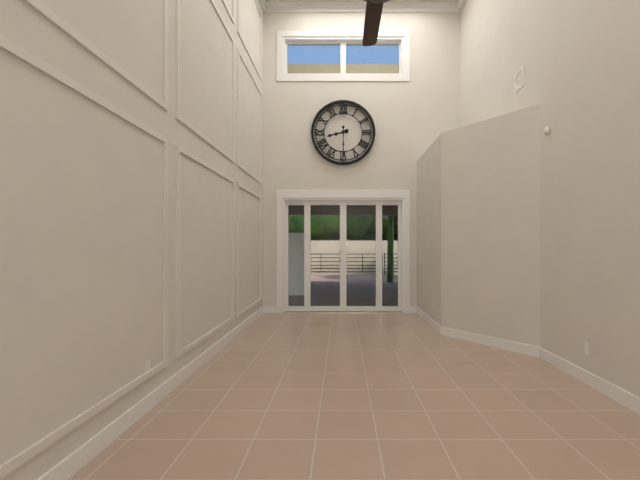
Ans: {"hour": 8, "minute": 30}
